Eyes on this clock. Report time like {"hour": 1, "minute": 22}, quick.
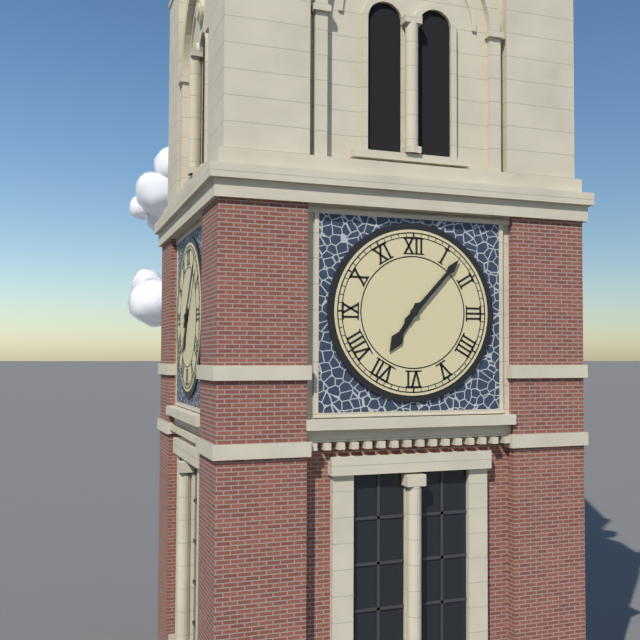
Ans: {"hour": 7, "minute": 7}
